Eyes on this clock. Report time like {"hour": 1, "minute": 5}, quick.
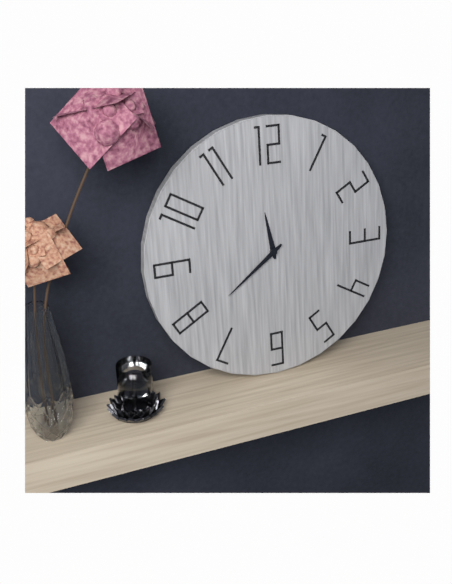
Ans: {"hour": 11, "minute": 39}
